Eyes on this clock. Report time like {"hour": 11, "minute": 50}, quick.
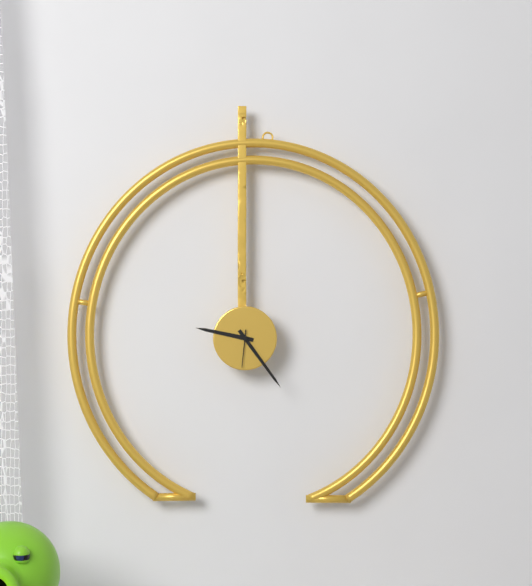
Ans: {"hour": 9, "minute": 24}
